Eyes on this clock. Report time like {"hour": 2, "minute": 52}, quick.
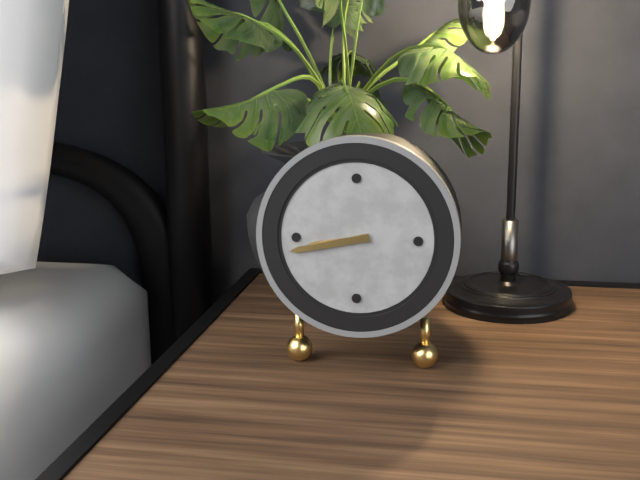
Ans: {"hour": 8, "minute": 43}
